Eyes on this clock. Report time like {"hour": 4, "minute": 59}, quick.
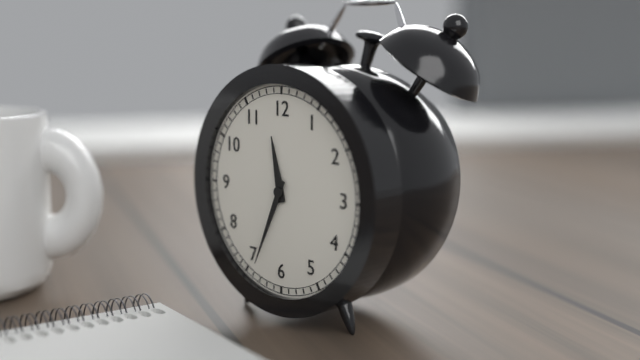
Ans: {"hour": 11, "minute": 34}
